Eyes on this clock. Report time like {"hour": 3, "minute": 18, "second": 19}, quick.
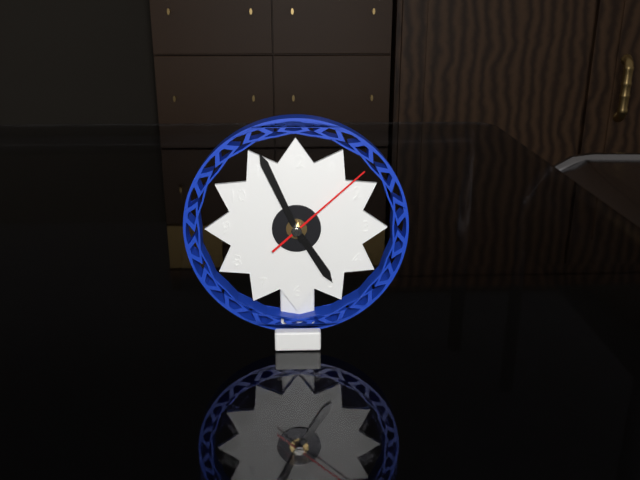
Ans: {"hour": 4, "minute": 56, "second": 8}
